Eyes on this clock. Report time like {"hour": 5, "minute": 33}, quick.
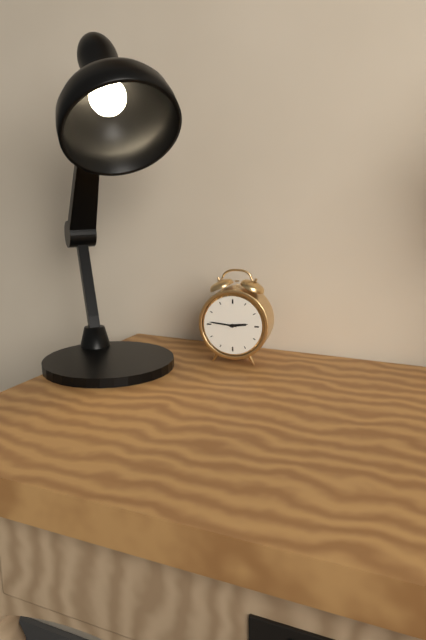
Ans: {"hour": 2, "minute": 46}
